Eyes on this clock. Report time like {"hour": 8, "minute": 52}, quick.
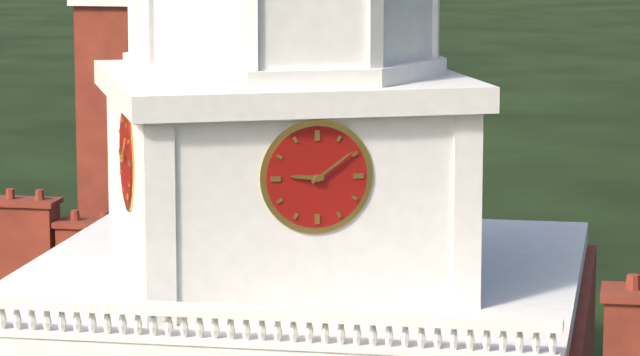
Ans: {"hour": 9, "minute": 9}
